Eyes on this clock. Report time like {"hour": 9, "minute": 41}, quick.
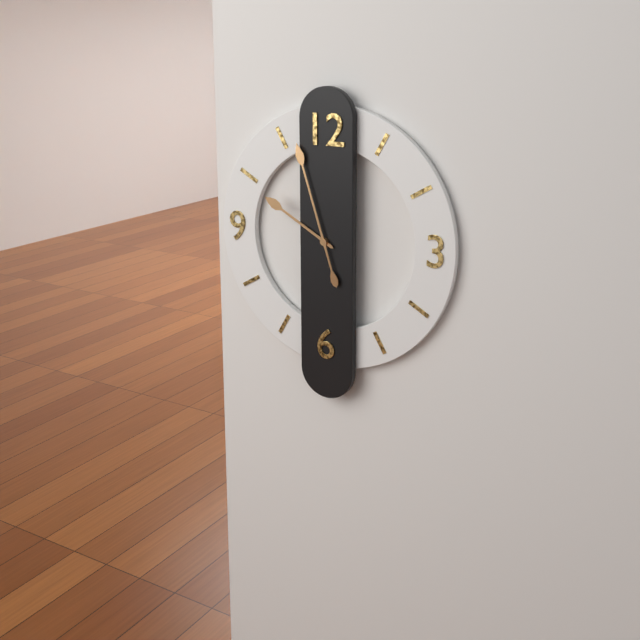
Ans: {"hour": 9, "minute": 57}
